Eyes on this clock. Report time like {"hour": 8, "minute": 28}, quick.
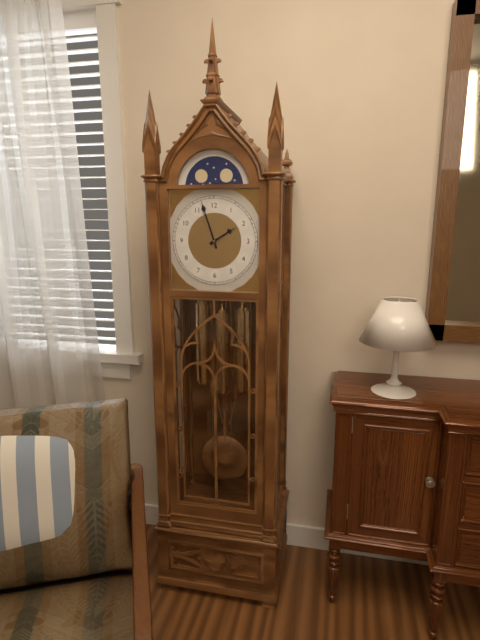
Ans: {"hour": 1, "minute": 57}
